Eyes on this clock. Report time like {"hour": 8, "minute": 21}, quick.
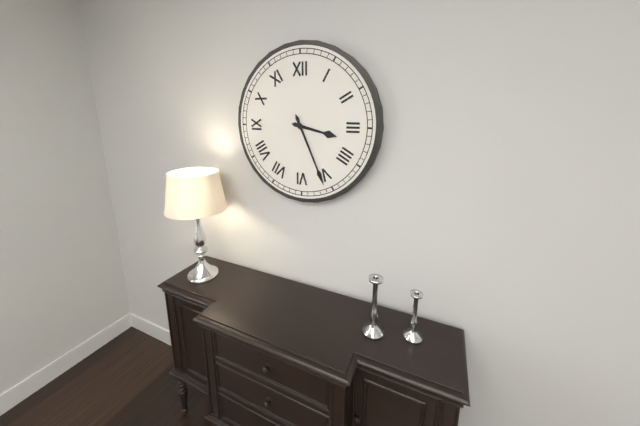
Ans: {"hour": 3, "minute": 26}
